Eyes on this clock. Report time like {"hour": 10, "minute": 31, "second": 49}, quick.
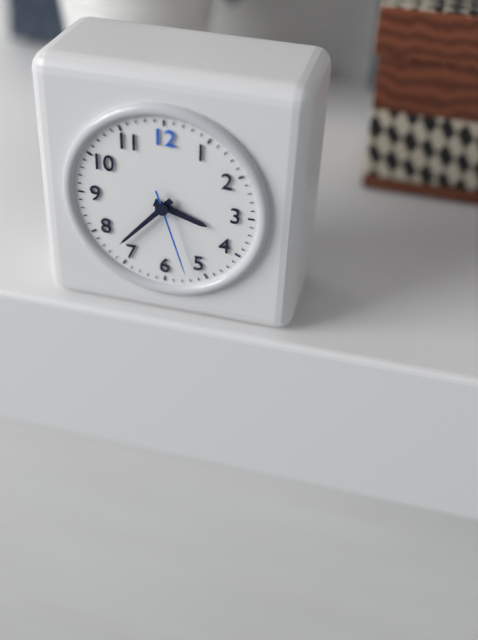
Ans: {"hour": 3, "minute": 37, "second": 27}
